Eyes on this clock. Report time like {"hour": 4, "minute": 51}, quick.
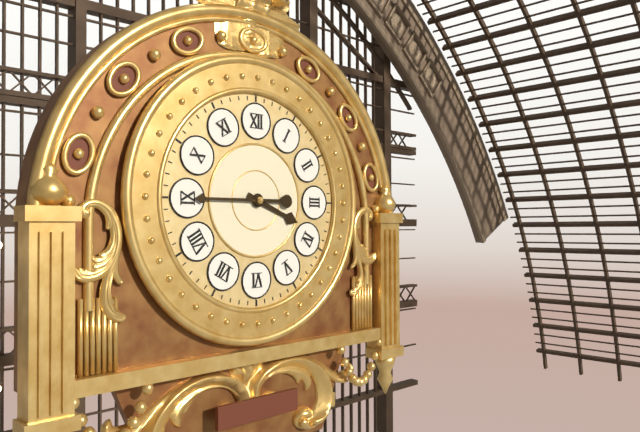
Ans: {"hour": 3, "minute": 45}
